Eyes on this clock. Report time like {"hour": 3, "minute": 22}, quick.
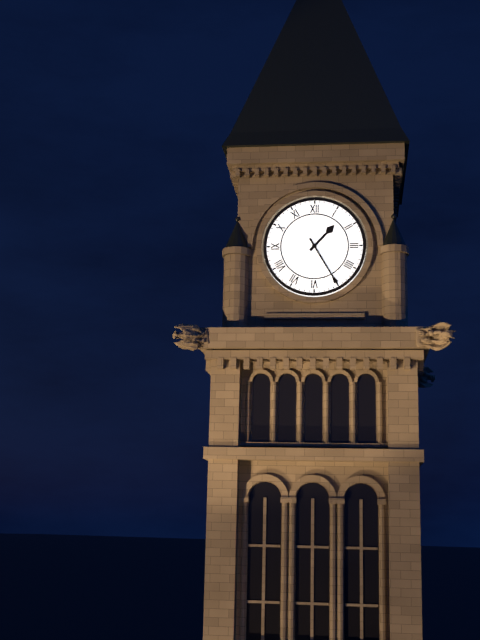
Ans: {"hour": 1, "minute": 25}
